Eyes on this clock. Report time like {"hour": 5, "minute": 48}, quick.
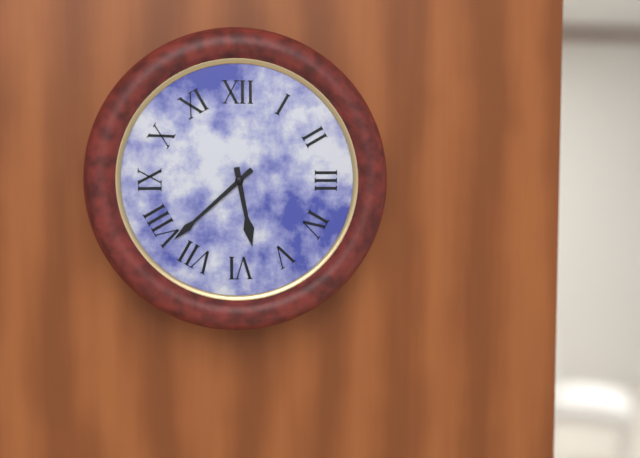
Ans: {"hour": 5, "minute": 38}
